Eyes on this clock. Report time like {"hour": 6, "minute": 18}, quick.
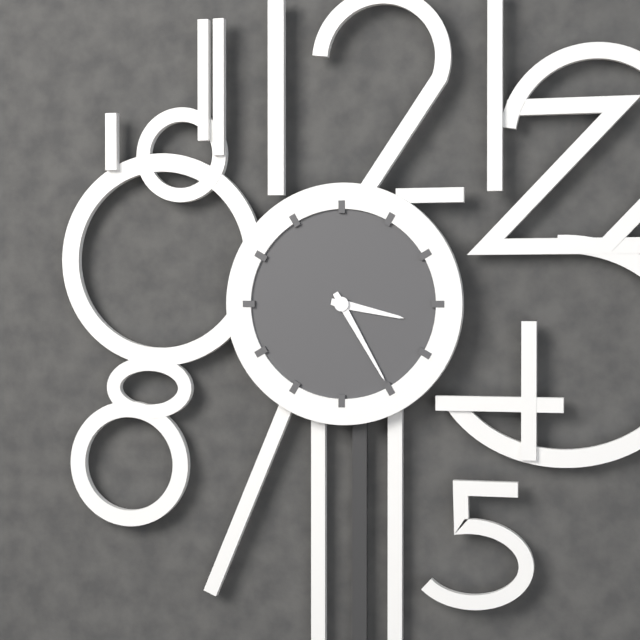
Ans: {"hour": 3, "minute": 25}
